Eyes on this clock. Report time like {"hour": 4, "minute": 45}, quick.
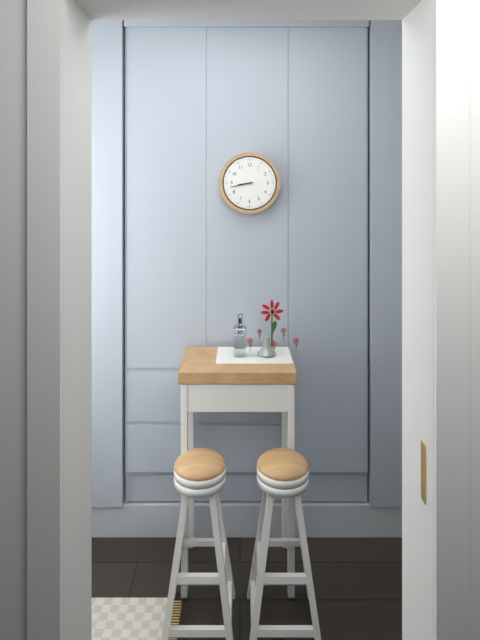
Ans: {"hour": 8, "minute": 43}
